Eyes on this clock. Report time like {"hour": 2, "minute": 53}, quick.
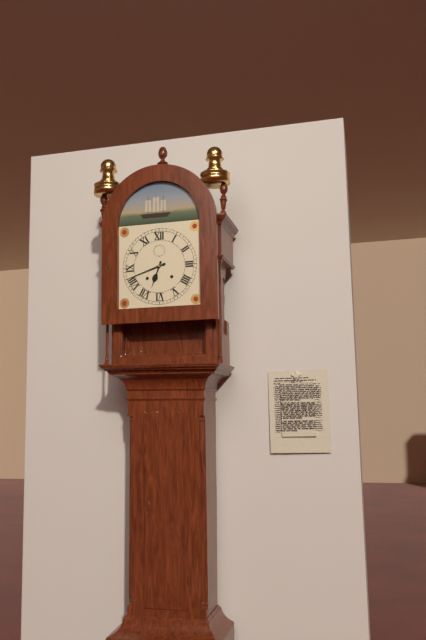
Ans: {"hour": 6, "minute": 42}
